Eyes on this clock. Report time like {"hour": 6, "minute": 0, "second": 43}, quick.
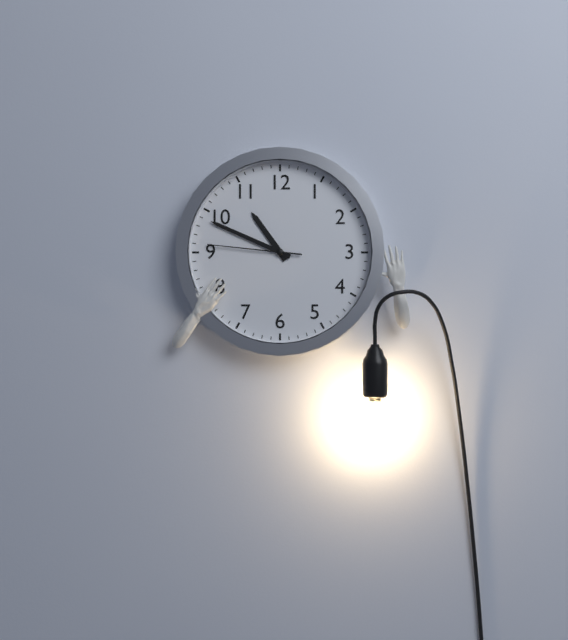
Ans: {"hour": 10, "minute": 49, "second": 46}
